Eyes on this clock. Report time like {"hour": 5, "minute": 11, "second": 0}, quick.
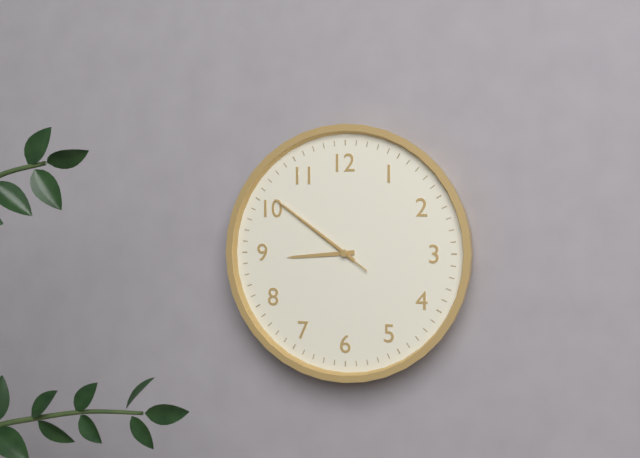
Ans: {"hour": 8, "minute": 51, "second": 51}
